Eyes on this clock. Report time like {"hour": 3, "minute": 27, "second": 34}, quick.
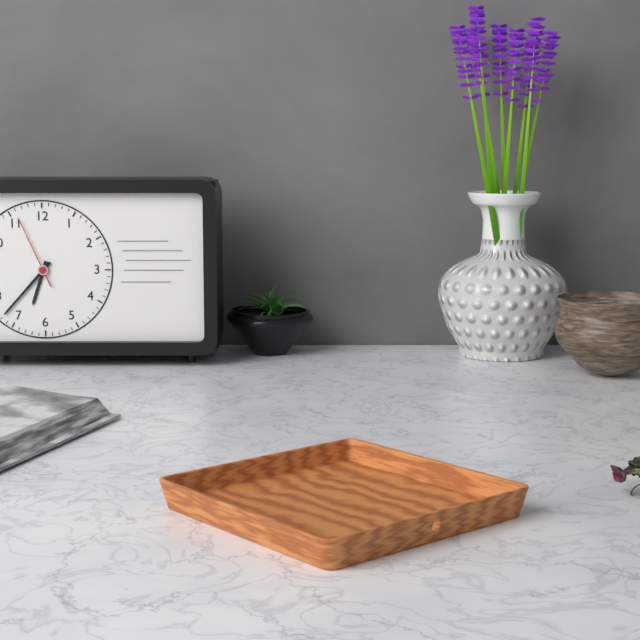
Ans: {"hour": 6, "minute": 37, "second": 56}
